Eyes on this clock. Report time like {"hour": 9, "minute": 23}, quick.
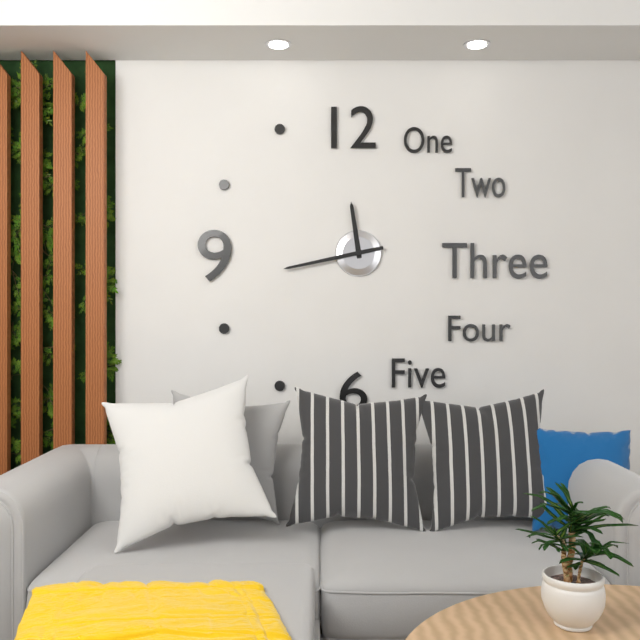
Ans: {"hour": 11, "minute": 43}
